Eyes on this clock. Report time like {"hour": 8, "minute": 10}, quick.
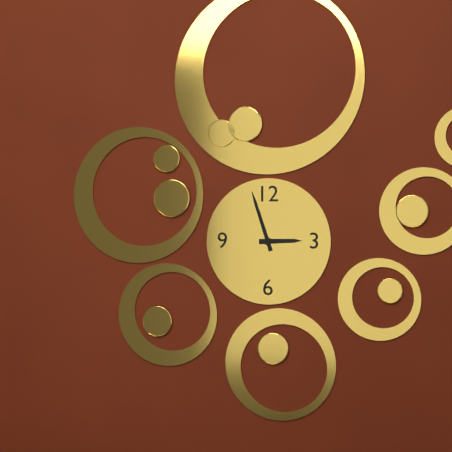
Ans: {"hour": 2, "minute": 57}
